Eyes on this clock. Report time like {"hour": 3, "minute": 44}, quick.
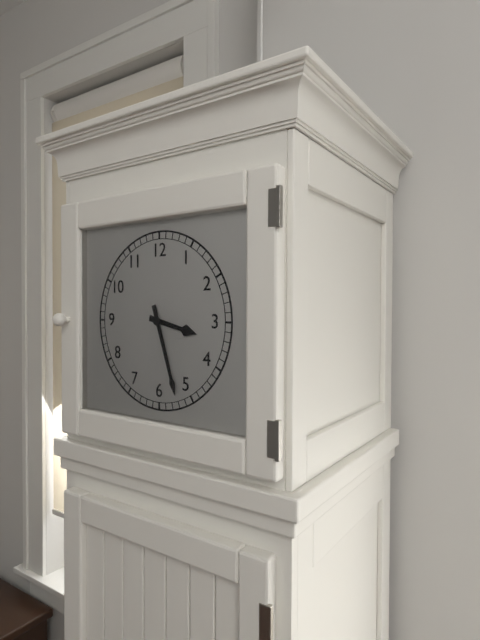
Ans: {"hour": 3, "minute": 27}
